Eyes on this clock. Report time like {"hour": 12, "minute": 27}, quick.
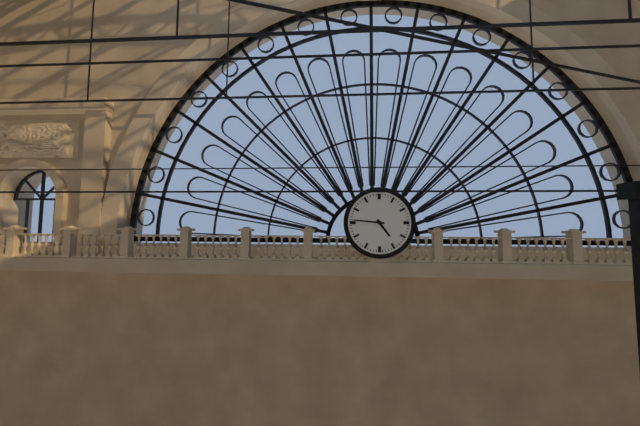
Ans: {"hour": 4, "minute": 46}
